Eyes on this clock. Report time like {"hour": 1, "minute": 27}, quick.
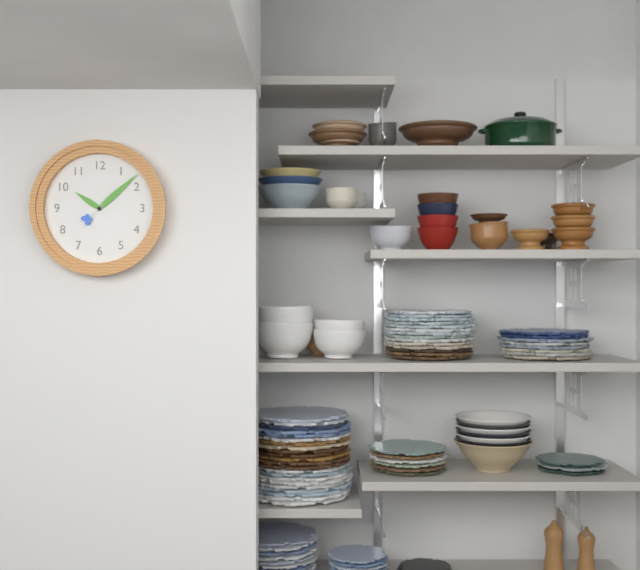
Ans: {"hour": 10, "minute": 8}
